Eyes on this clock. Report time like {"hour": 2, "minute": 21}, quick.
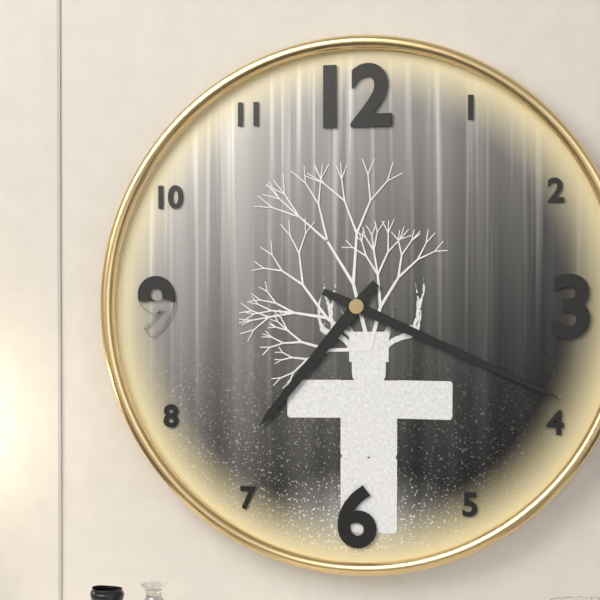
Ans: {"hour": 7, "minute": 19}
